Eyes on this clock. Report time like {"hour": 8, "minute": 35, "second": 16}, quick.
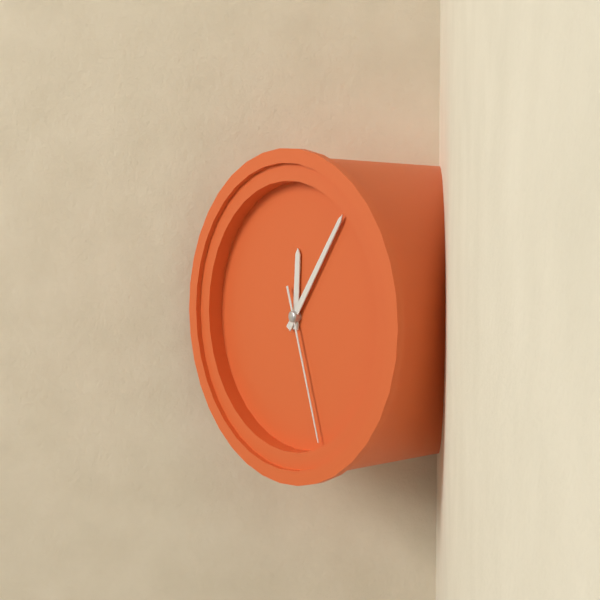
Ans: {"hour": 12, "minute": 6, "second": 27}
